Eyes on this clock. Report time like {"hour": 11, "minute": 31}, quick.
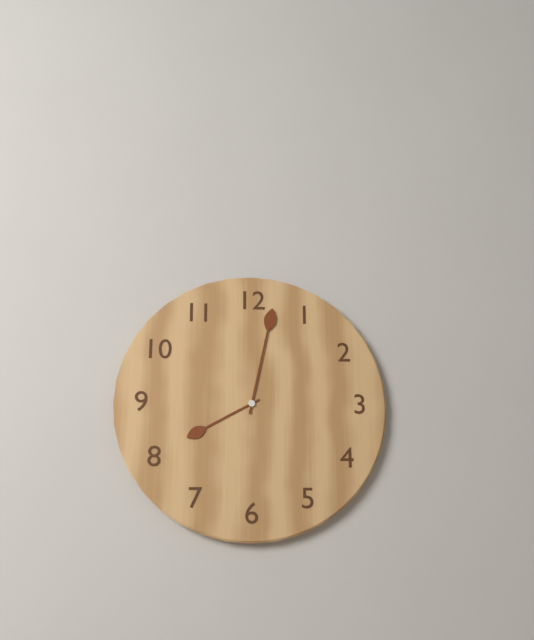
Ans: {"hour": 8, "minute": 2}
